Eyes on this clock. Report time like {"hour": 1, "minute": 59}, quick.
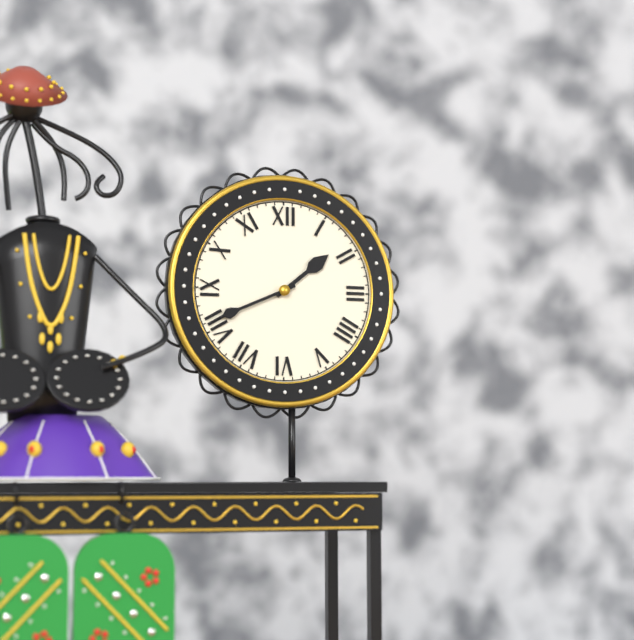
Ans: {"hour": 1, "minute": 41}
